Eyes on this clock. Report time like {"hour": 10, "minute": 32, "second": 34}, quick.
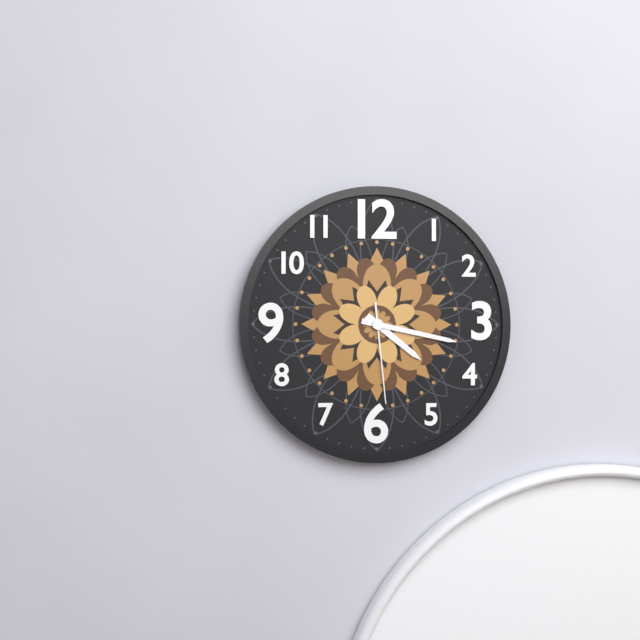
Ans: {"hour": 4, "minute": 17, "second": 29}
